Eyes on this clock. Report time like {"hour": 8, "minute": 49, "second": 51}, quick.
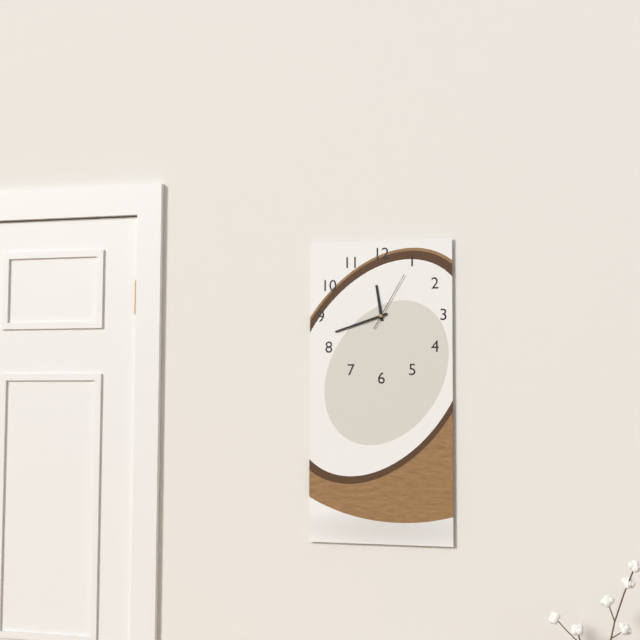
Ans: {"hour": 11, "minute": 42, "second": 5}
